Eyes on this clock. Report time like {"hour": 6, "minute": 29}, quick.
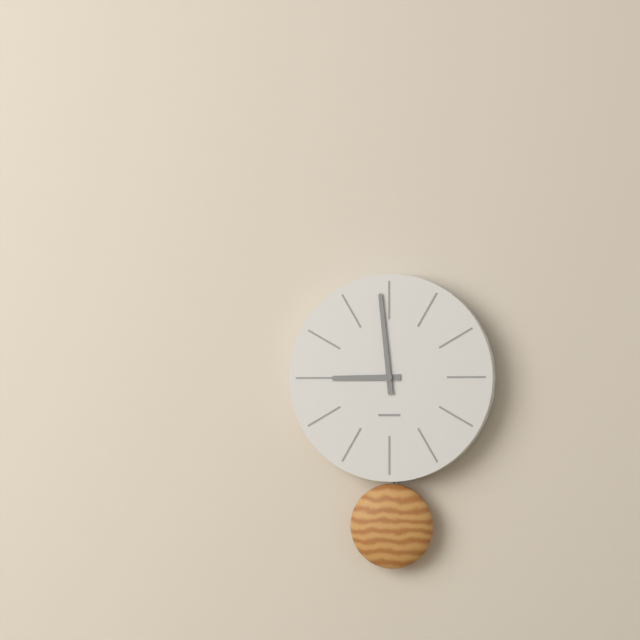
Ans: {"hour": 8, "minute": 59}
